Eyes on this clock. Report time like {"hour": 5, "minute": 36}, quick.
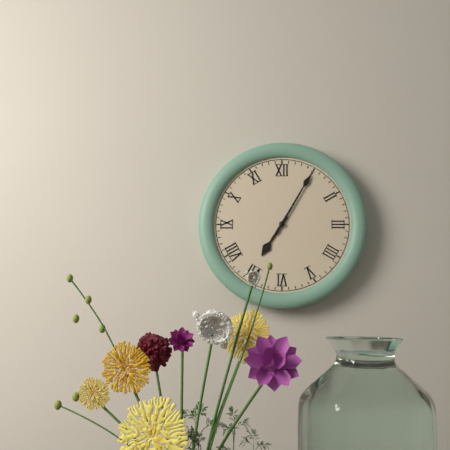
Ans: {"hour": 7, "minute": 5}
